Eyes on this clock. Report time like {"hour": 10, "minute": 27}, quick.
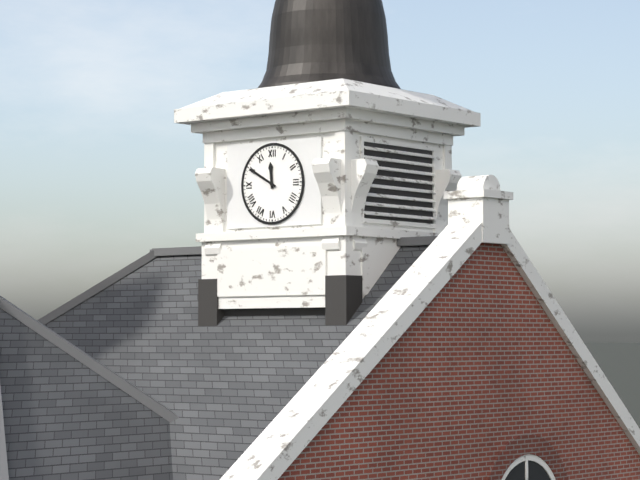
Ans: {"hour": 11, "minute": 50}
